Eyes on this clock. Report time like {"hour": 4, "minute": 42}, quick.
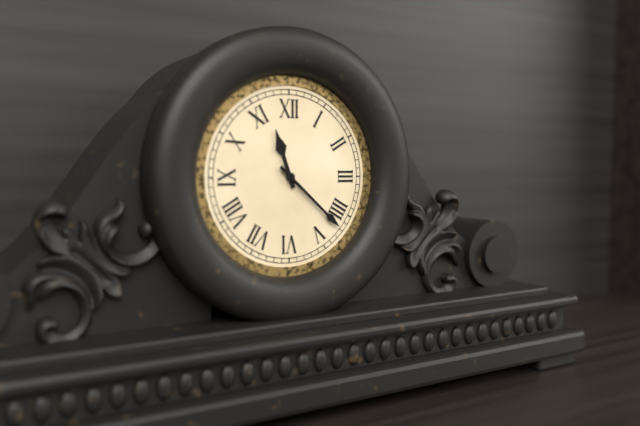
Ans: {"hour": 11, "minute": 22}
